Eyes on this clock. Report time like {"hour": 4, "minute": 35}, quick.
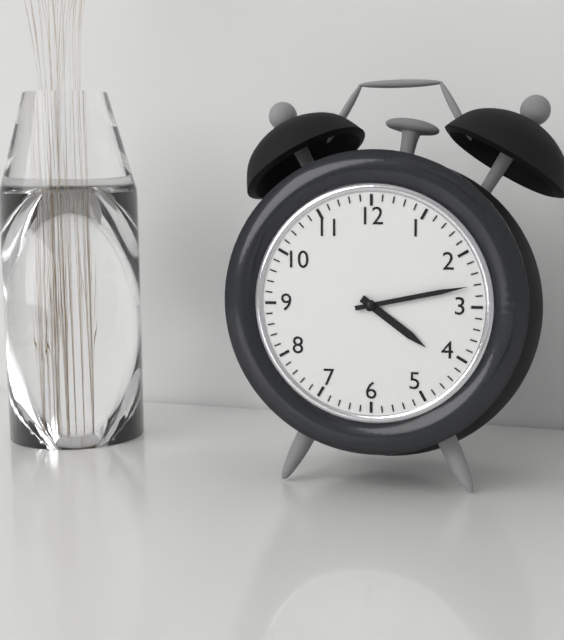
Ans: {"hour": 4, "minute": 13}
